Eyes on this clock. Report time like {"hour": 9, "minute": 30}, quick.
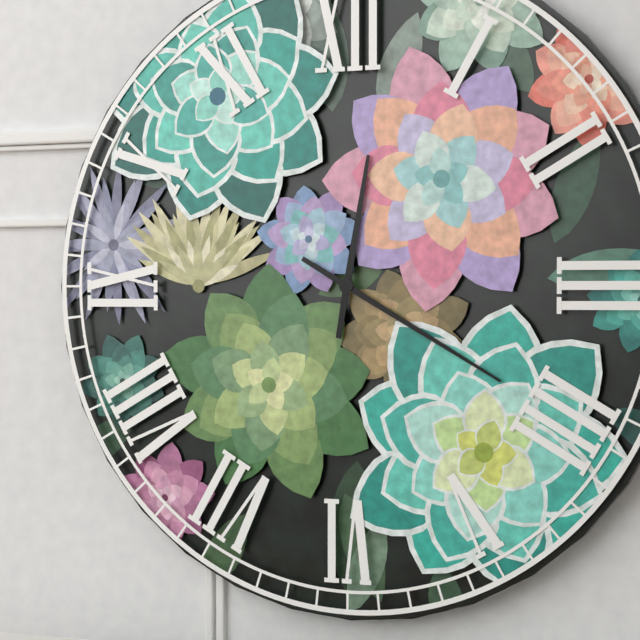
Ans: {"hour": 12, "minute": 20}
